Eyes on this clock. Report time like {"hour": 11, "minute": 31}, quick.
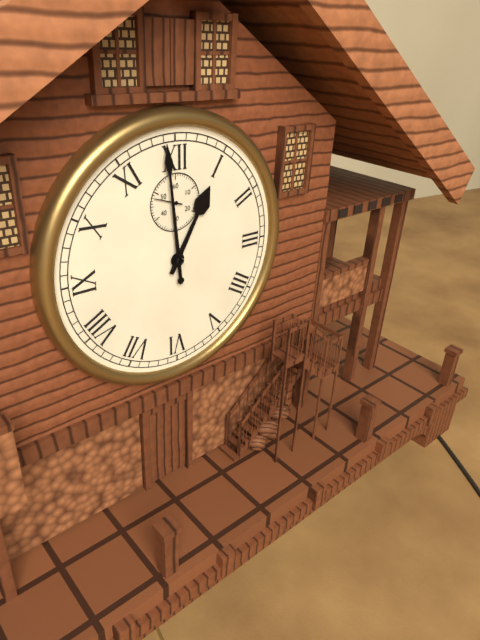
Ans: {"hour": 12, "minute": 59}
